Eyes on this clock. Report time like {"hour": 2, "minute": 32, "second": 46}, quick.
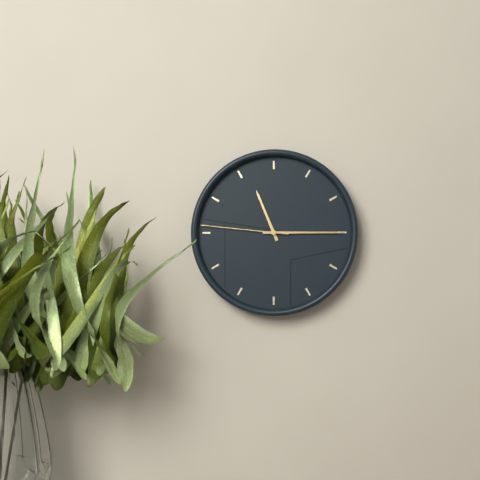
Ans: {"hour": 11, "minute": 15, "second": 46}
